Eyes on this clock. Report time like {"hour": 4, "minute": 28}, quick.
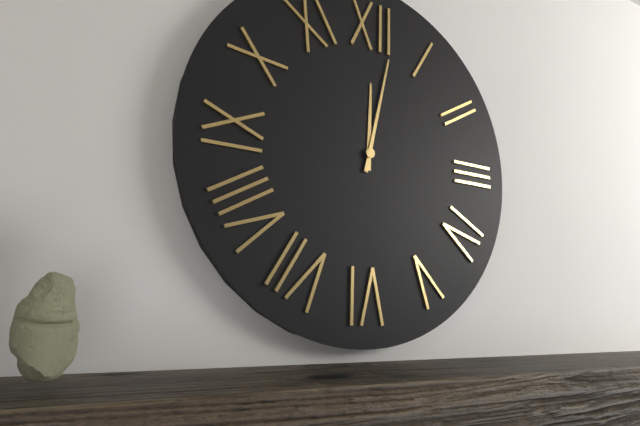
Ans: {"hour": 12, "minute": 2}
